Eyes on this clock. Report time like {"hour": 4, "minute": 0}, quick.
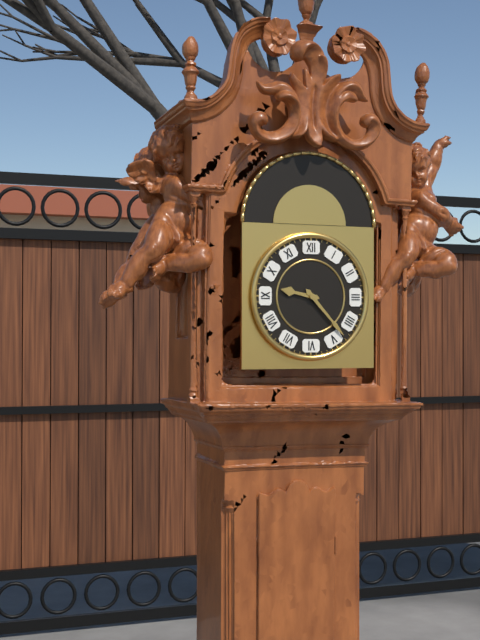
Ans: {"hour": 9, "minute": 23}
